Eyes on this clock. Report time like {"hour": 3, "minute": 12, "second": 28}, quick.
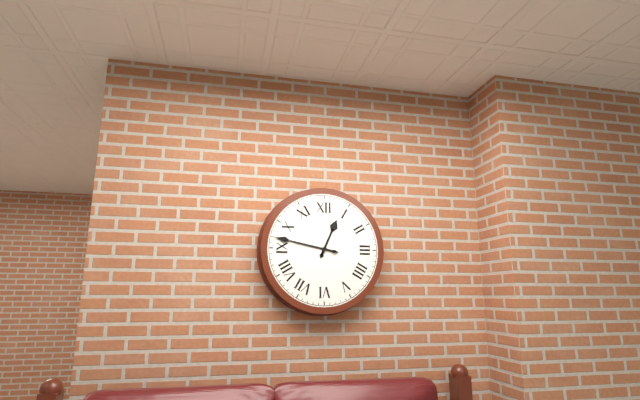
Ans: {"hour": 12, "minute": 47, "second": 47}
